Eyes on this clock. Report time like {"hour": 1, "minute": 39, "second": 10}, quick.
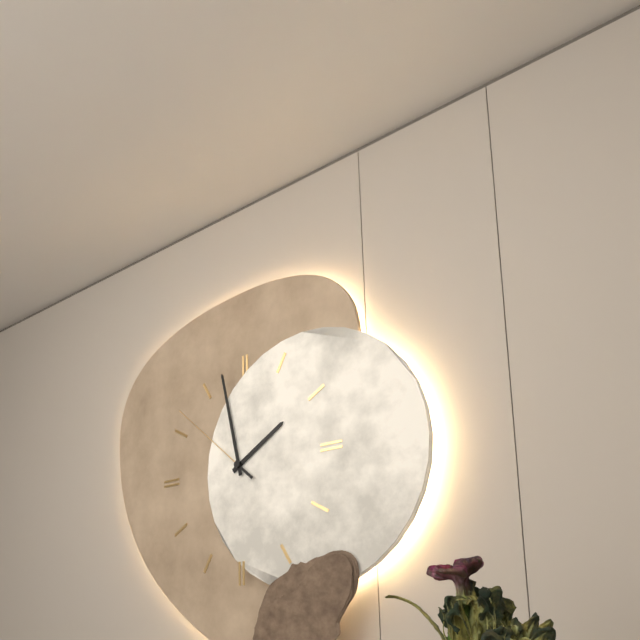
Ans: {"hour": 1, "minute": 58, "second": 52}
